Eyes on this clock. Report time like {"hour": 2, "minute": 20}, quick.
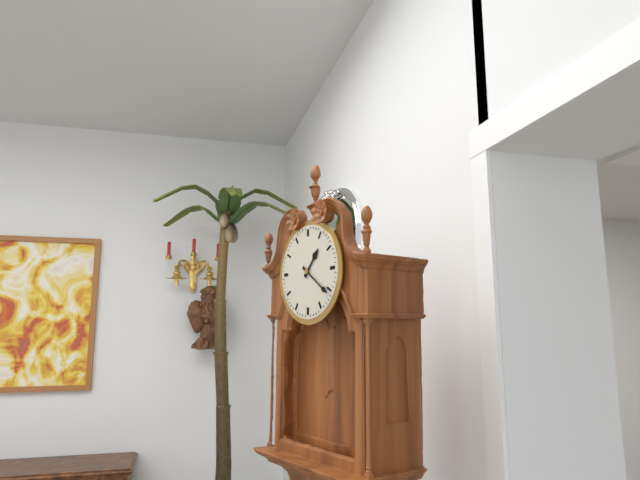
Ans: {"hour": 1, "minute": 21}
